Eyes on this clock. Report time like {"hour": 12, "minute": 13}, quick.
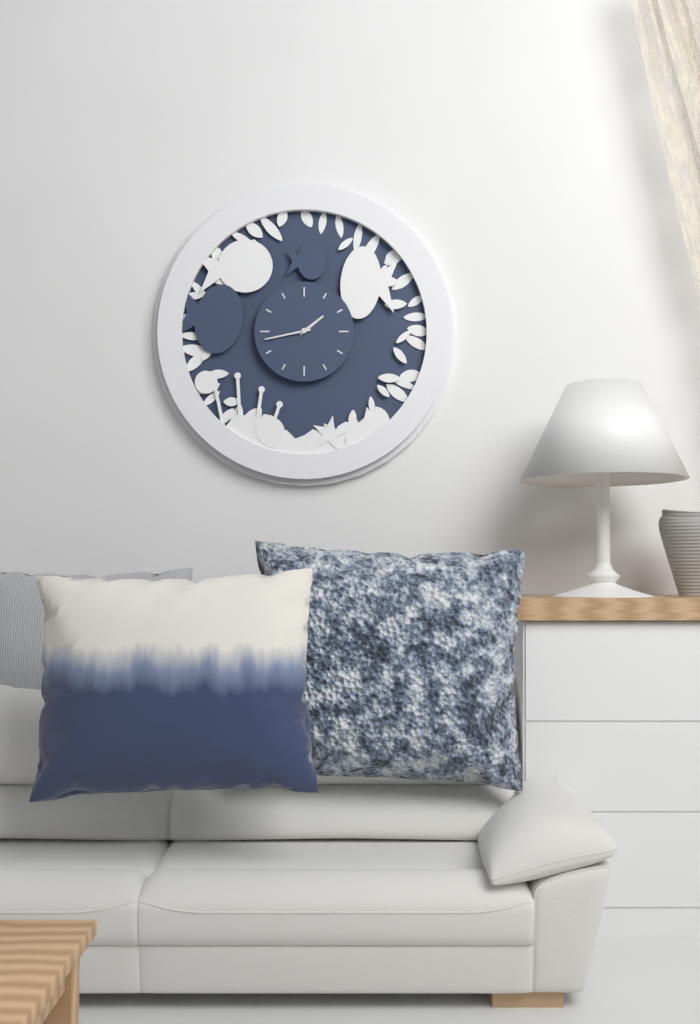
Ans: {"hour": 1, "minute": 43}
